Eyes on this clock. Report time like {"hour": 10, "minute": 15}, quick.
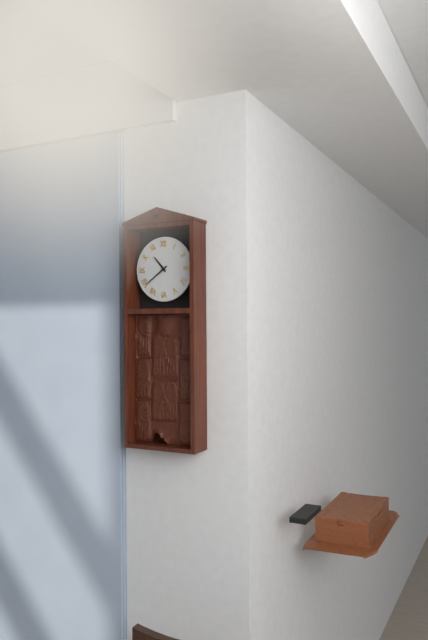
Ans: {"hour": 10, "minute": 39}
